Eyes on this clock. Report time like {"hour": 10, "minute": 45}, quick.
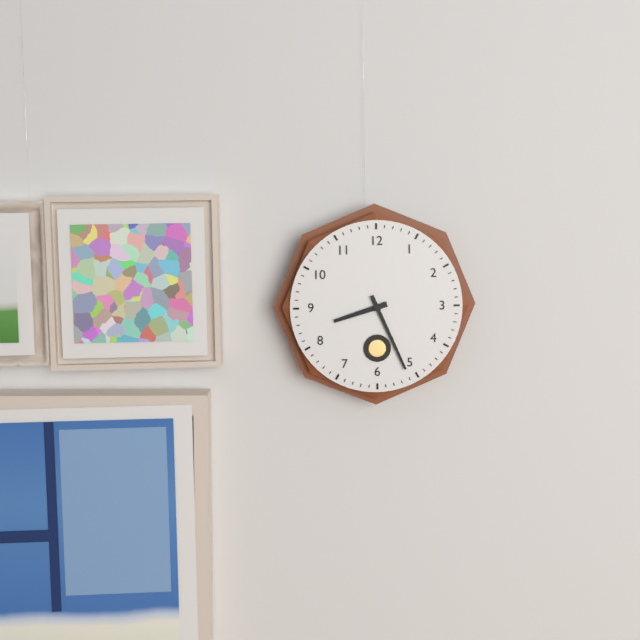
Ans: {"hour": 8, "minute": 26}
